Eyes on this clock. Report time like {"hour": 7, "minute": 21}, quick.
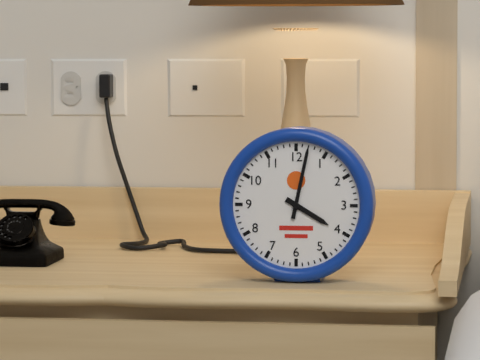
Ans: {"hour": 4, "minute": 2}
